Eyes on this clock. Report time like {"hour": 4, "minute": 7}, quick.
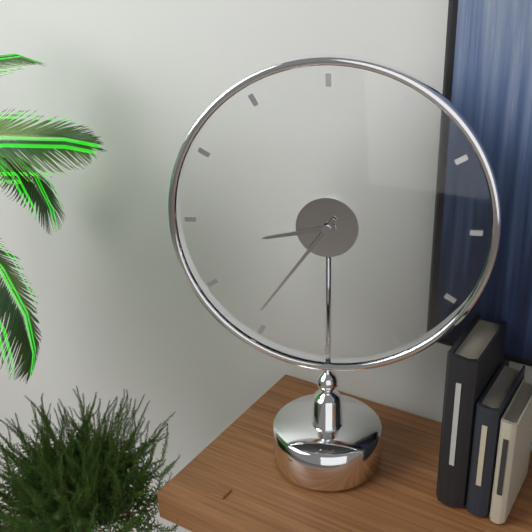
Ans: {"hour": 8, "minute": 36}
